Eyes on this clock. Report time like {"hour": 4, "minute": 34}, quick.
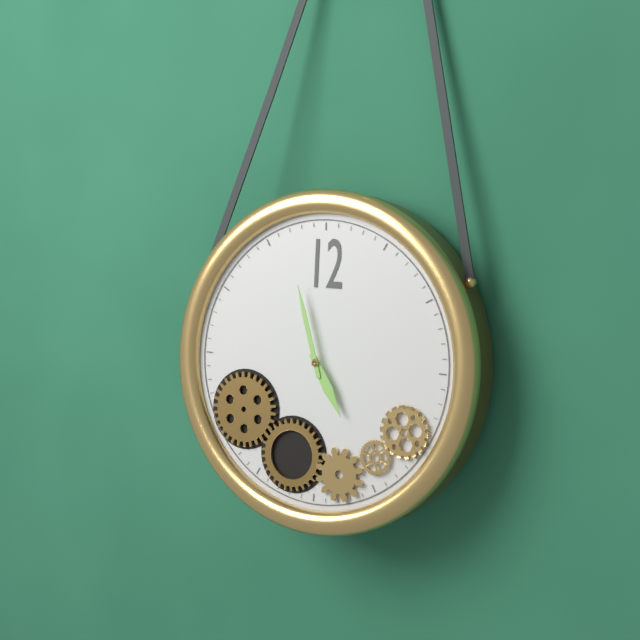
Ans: {"hour": 4, "minute": 57}
